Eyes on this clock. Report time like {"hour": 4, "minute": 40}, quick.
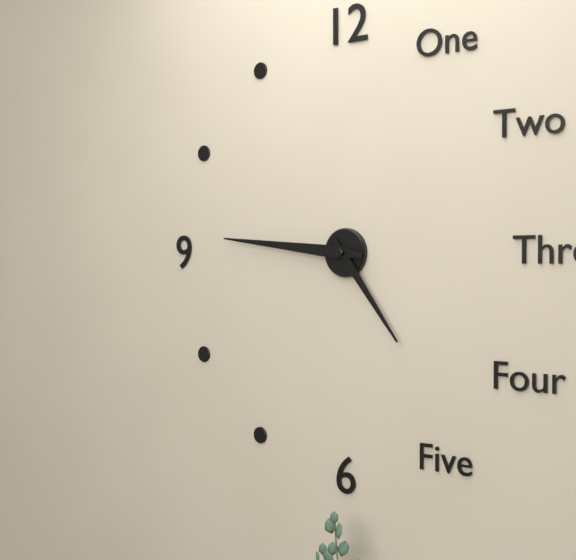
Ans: {"hour": 4, "minute": 46}
